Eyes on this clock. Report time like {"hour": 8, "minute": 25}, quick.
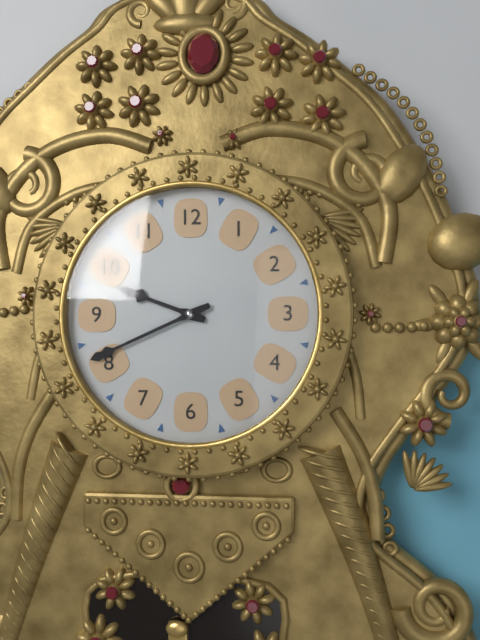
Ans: {"hour": 9, "minute": 41}
